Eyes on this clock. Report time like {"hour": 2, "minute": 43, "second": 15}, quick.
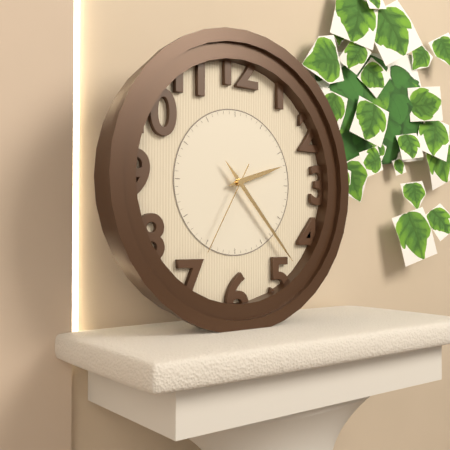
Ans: {"hour": 2, "minute": 23, "second": 35}
